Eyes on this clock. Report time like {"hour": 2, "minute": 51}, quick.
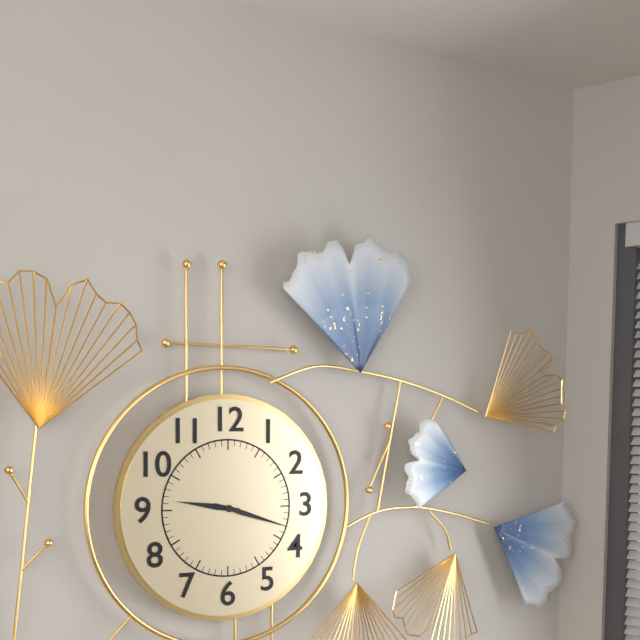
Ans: {"hour": 9, "minute": 18}
